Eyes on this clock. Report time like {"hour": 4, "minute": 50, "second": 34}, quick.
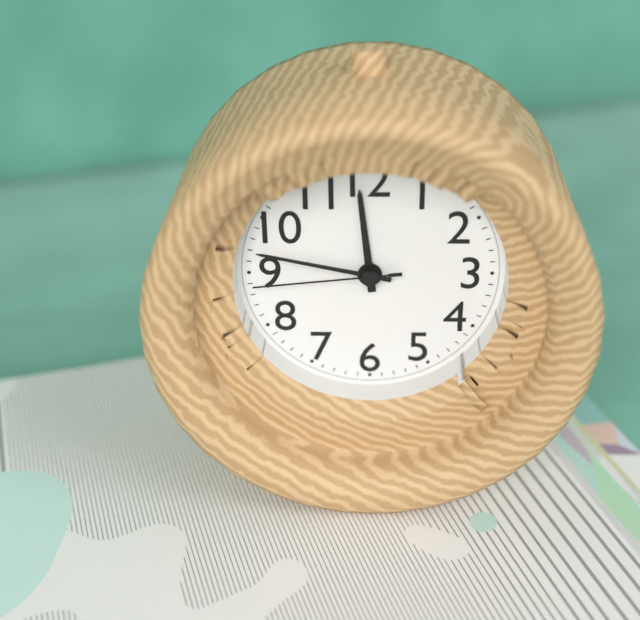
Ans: {"hour": 11, "minute": 47, "second": 44}
